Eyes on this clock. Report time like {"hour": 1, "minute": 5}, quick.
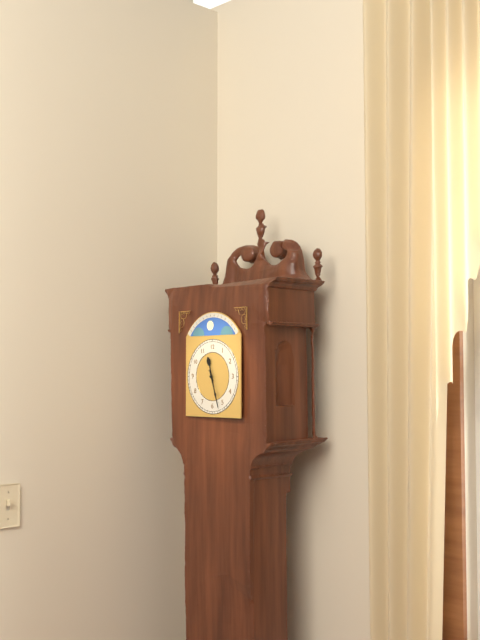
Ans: {"hour": 11, "minute": 27}
